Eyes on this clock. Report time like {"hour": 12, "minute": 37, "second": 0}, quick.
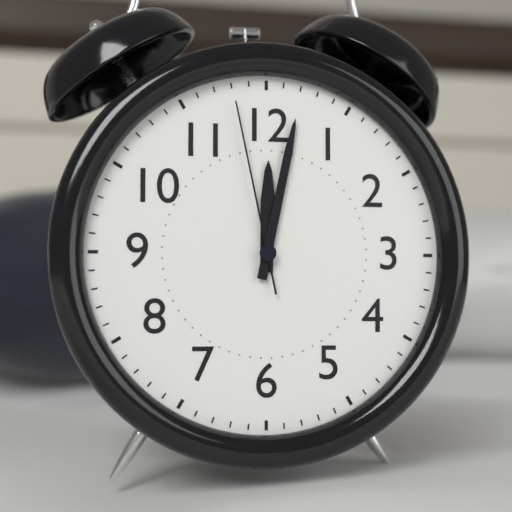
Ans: {"hour": 12, "minute": 2, "second": 58}
